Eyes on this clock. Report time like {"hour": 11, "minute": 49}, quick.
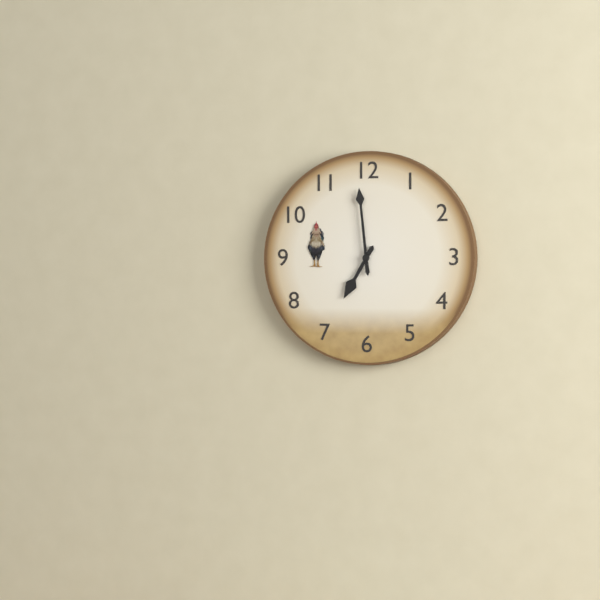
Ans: {"hour": 6, "minute": 59}
